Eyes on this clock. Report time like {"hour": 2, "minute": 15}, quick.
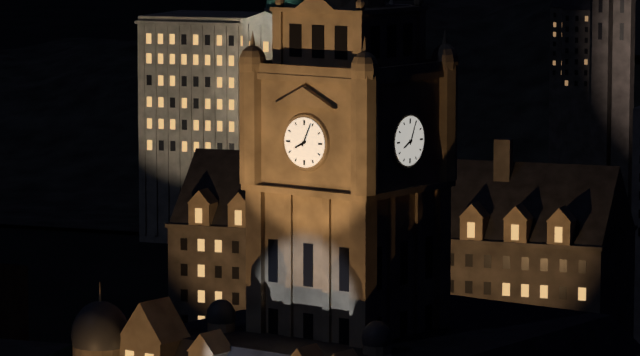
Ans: {"hour": 8, "minute": 4}
